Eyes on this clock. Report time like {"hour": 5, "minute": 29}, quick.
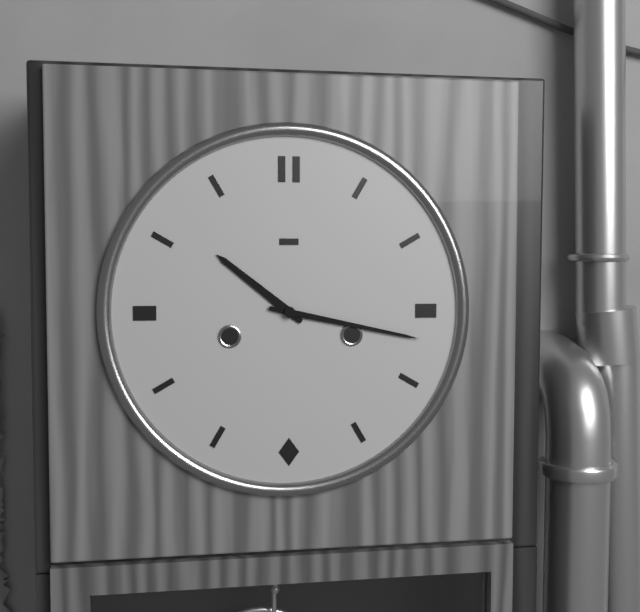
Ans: {"hour": 10, "minute": 17}
